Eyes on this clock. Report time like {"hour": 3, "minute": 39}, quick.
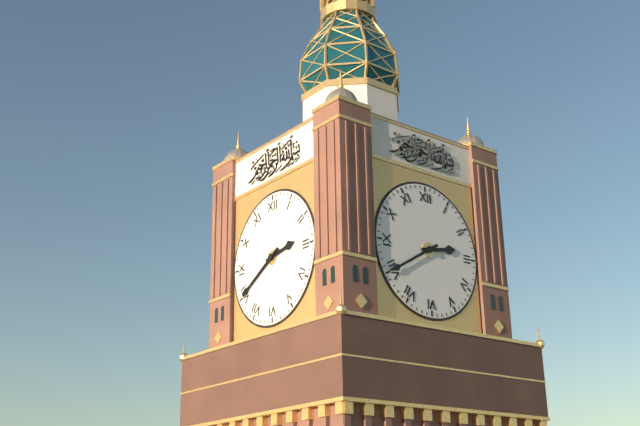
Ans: {"hour": 2, "minute": 40}
